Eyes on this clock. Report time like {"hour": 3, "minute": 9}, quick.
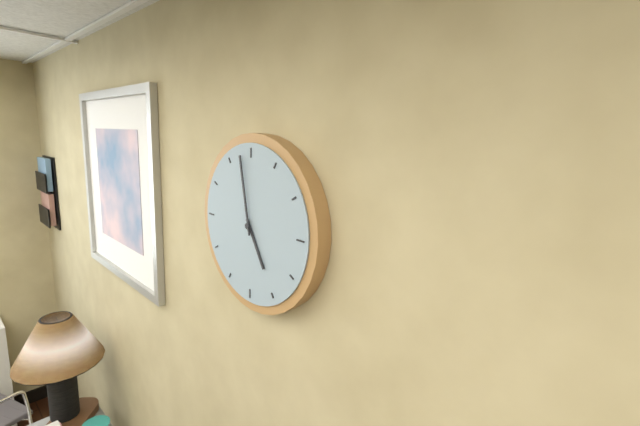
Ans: {"hour": 4, "minute": 58}
